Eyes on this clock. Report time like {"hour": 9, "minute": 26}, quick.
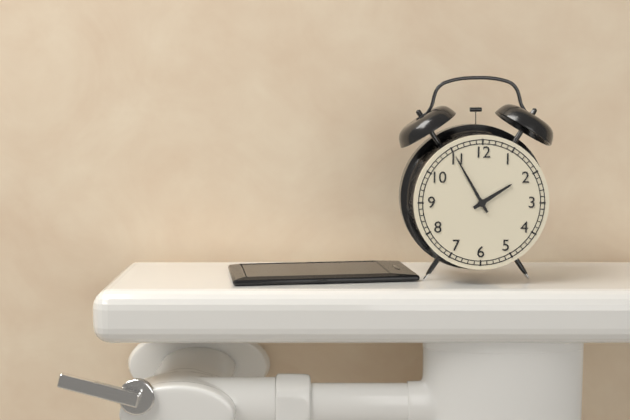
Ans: {"hour": 1, "minute": 55}
